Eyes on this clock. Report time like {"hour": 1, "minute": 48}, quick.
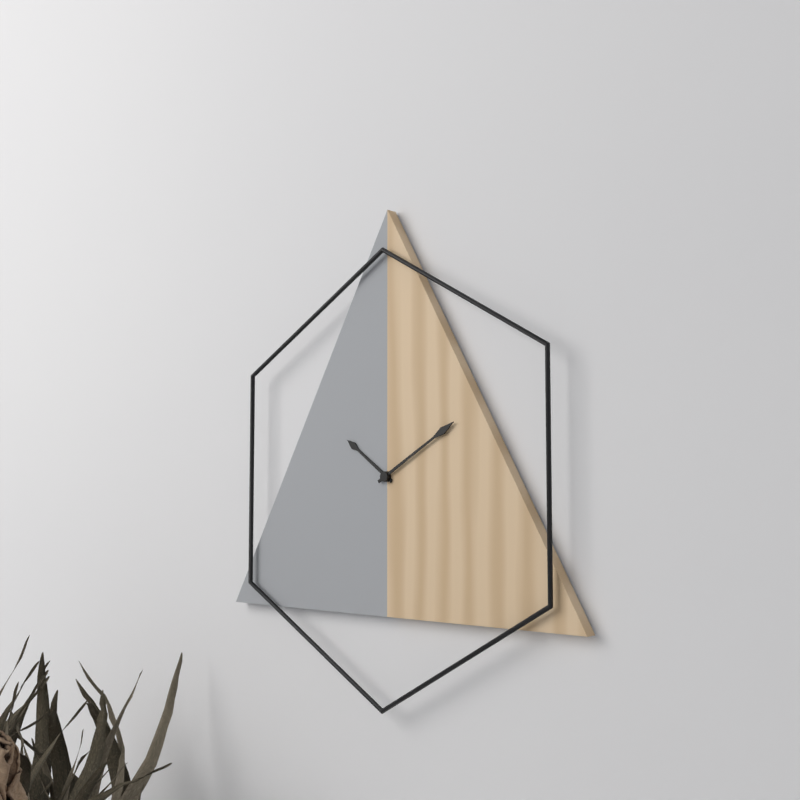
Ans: {"hour": 10, "minute": 10}
